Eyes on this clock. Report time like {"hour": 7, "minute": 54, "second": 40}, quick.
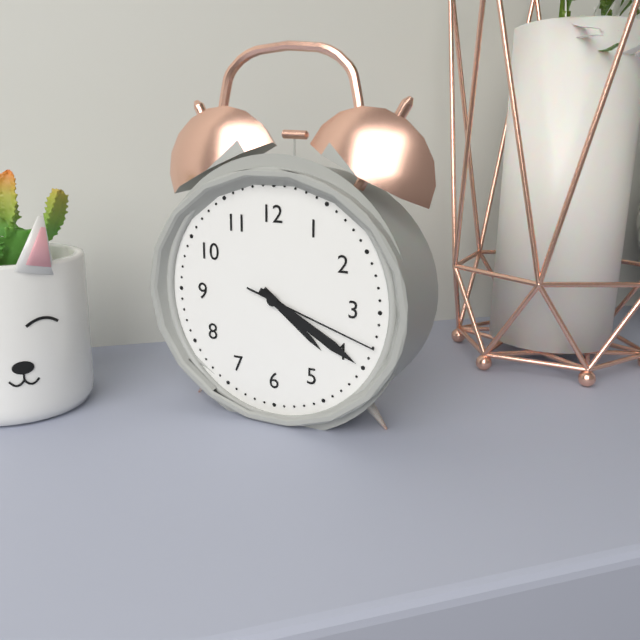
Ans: {"hour": 4, "minute": 20, "second": 18}
